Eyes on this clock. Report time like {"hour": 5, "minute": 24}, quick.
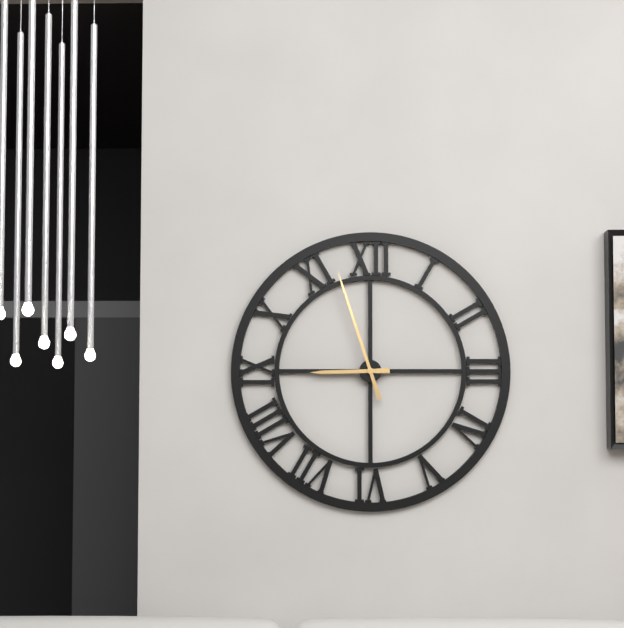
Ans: {"hour": 8, "minute": 57}
